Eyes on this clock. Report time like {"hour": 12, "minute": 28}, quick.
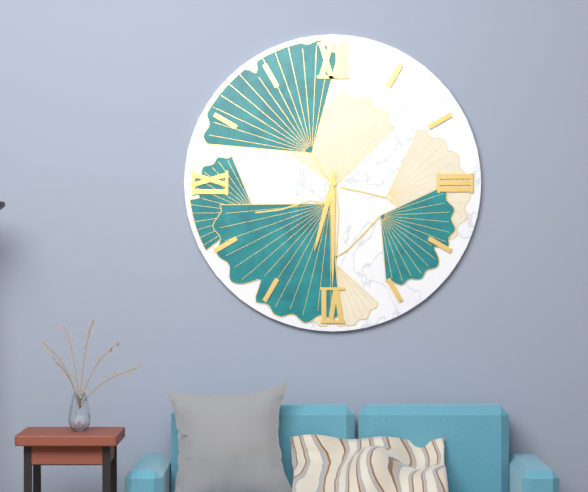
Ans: {"hour": 6, "minute": 30}
